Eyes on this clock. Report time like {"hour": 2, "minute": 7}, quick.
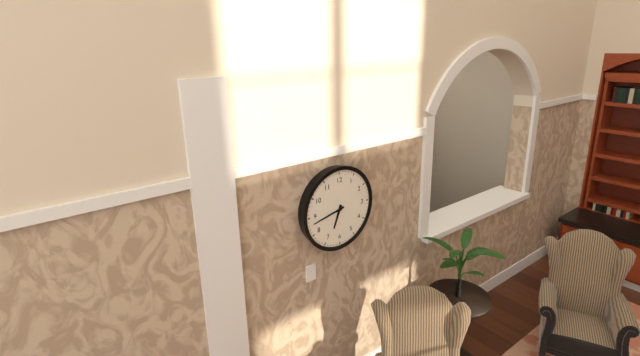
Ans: {"hour": 6, "minute": 43}
